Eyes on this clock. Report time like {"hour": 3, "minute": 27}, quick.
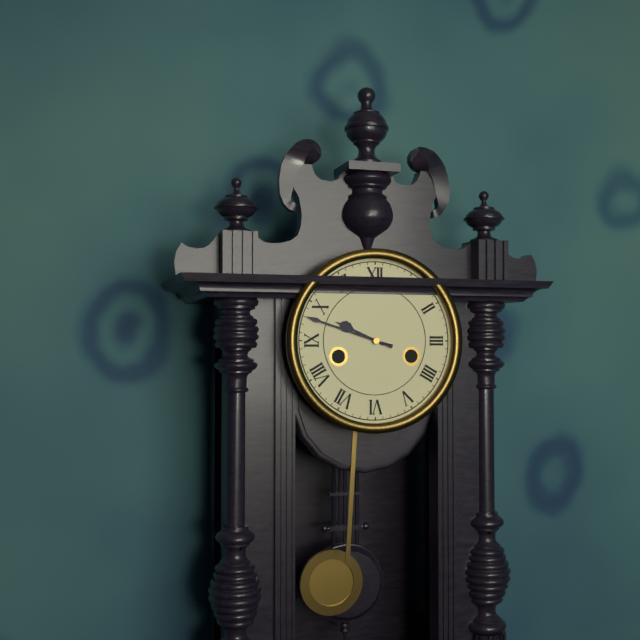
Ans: {"hour": 9, "minute": 48}
